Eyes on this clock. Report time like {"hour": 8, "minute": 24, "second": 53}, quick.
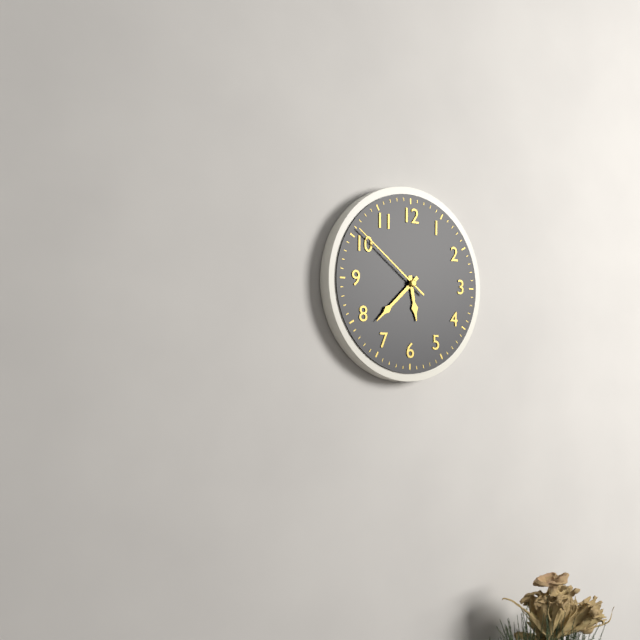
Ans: {"hour": 5, "minute": 38, "second": 51}
